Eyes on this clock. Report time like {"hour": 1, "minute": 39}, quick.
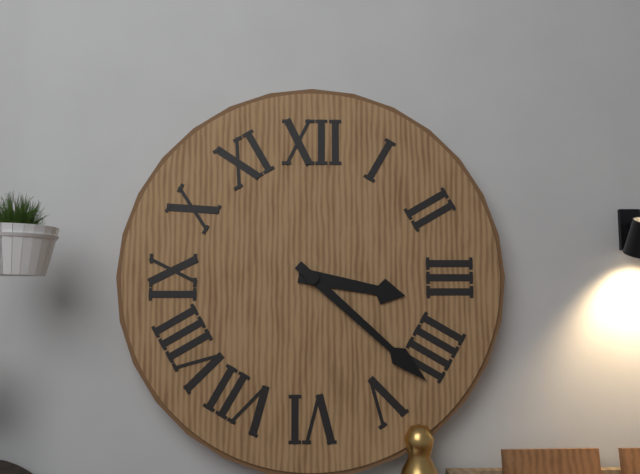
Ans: {"hour": 3, "minute": 22}
